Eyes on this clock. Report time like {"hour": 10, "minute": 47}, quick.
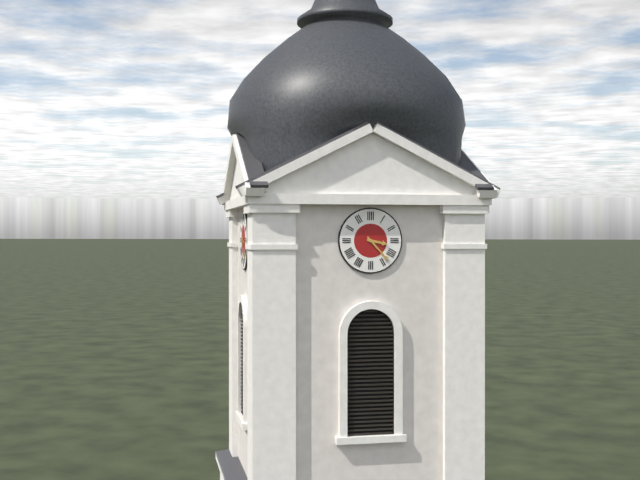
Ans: {"hour": 3, "minute": 23}
